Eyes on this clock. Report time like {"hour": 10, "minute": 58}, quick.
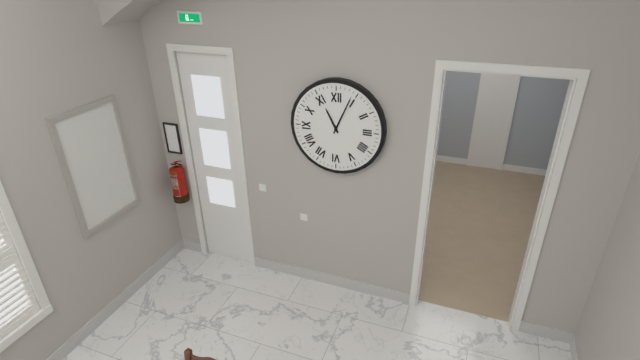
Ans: {"hour": 11, "minute": 4}
